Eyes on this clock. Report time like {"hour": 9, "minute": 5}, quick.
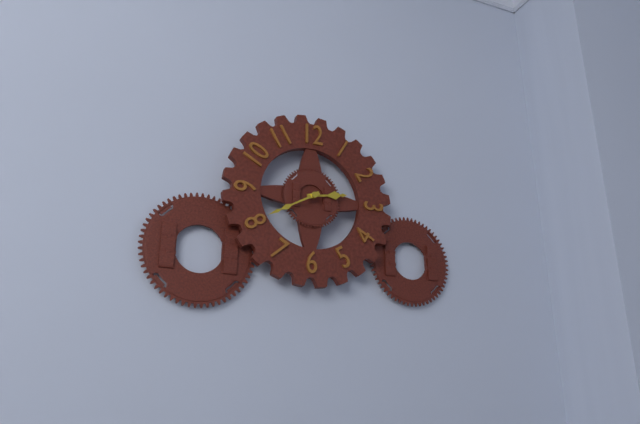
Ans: {"hour": 2, "minute": 40}
